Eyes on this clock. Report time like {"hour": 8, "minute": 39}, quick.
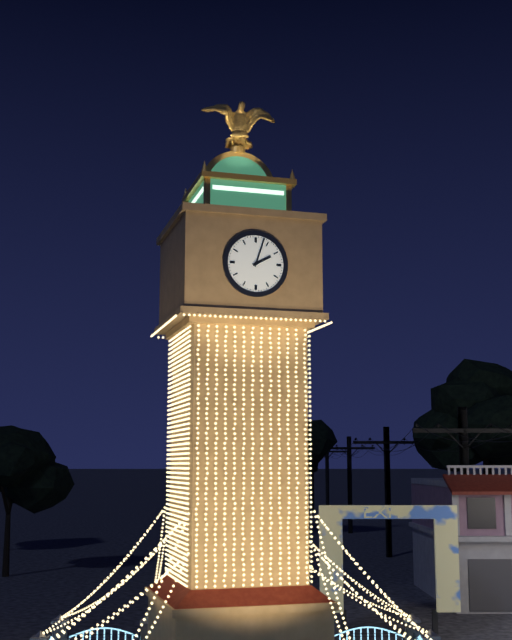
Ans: {"hour": 2, "minute": 3}
